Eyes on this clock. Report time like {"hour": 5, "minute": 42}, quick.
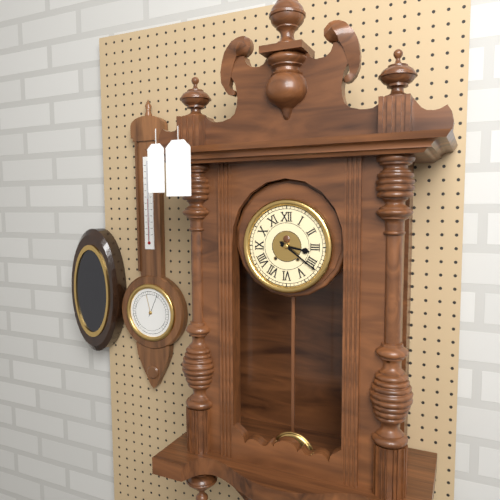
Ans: {"hour": 3, "minute": 21}
